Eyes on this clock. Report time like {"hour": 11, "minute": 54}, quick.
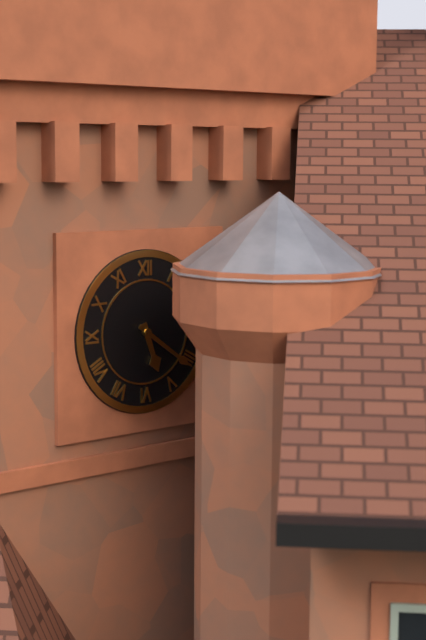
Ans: {"hour": 5, "minute": 21}
